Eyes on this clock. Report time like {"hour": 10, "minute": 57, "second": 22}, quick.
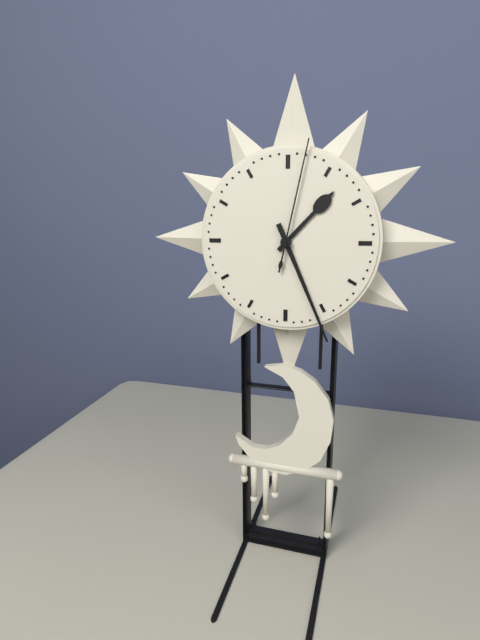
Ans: {"hour": 1, "minute": 26, "second": 2}
